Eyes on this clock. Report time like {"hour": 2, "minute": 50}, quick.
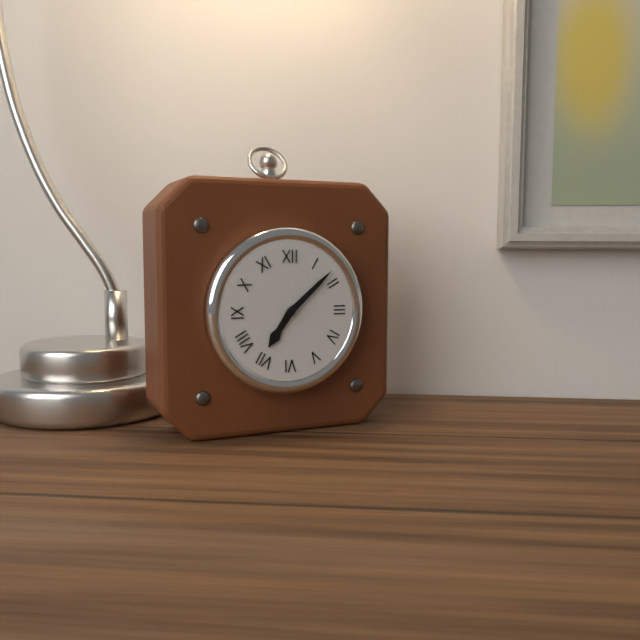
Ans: {"hour": 7, "minute": 8}
